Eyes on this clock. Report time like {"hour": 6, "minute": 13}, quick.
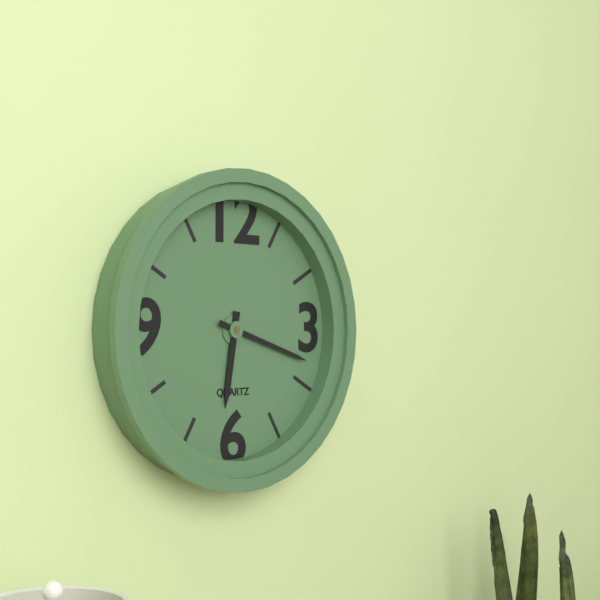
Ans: {"hour": 6, "minute": 18}
